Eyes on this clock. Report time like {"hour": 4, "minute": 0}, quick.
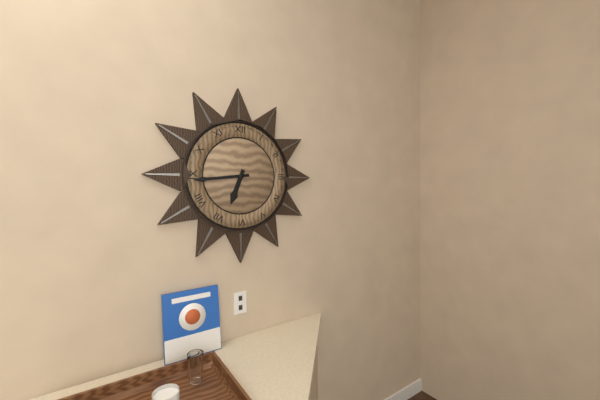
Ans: {"hour": 6, "minute": 44}
